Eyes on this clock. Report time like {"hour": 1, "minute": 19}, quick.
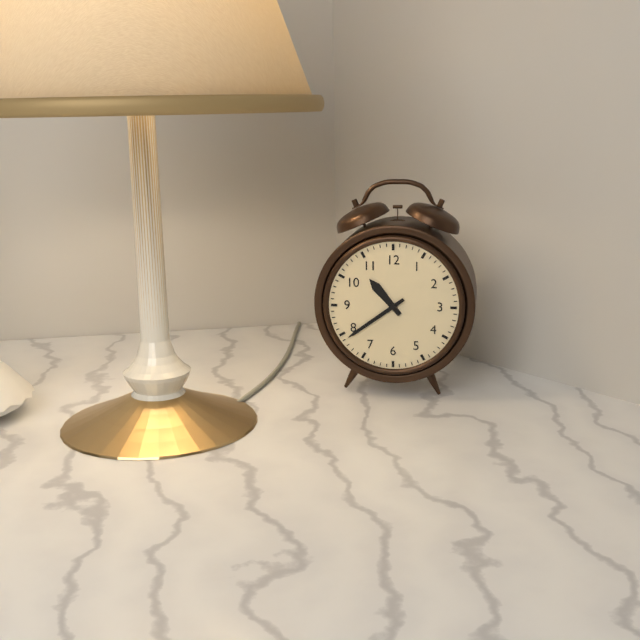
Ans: {"hour": 10, "minute": 39}
